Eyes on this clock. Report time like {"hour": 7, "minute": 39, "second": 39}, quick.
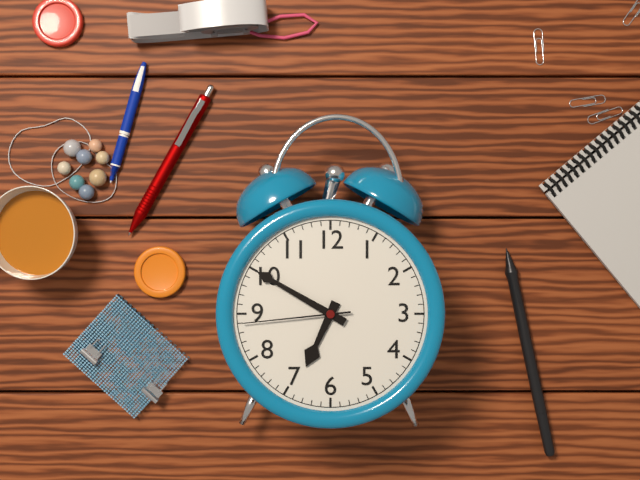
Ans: {"hour": 6, "minute": 50, "second": 44}
